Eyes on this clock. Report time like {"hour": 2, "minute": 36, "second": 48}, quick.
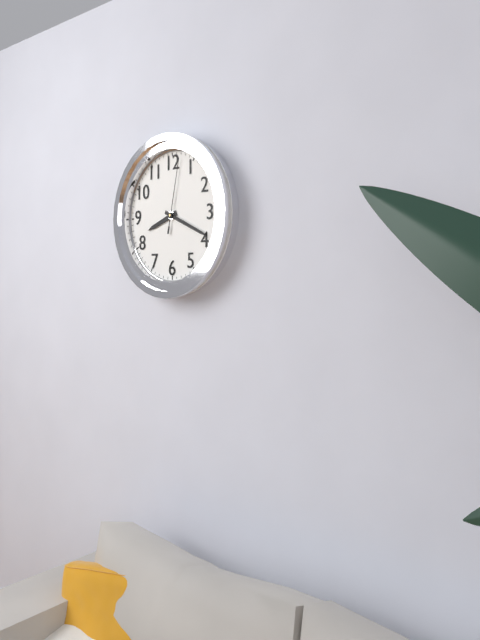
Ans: {"hour": 8, "minute": 19, "second": 2}
